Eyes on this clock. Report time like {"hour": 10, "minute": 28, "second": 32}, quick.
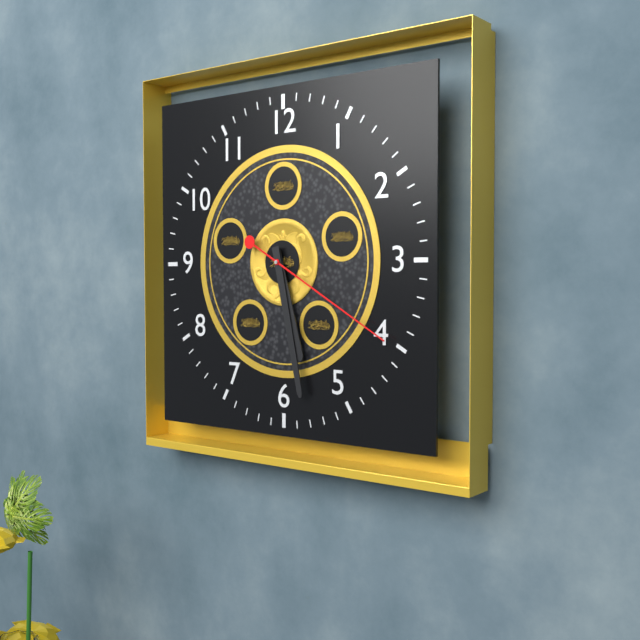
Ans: {"hour": 5, "minute": 28, "second": 20}
